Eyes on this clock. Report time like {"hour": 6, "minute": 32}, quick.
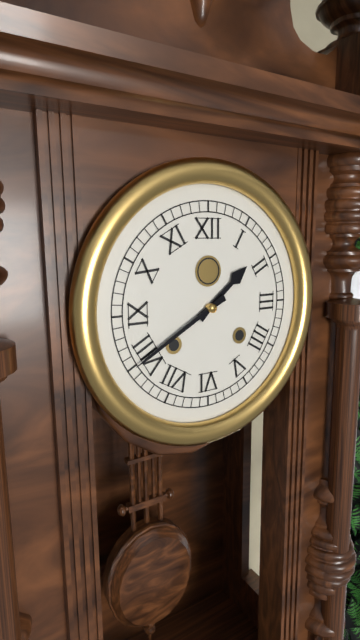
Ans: {"hour": 1, "minute": 40}
